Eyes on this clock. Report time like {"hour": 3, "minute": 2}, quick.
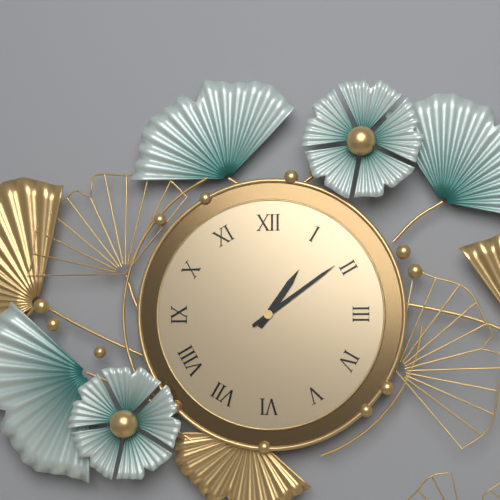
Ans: {"hour": 1, "minute": 9}
